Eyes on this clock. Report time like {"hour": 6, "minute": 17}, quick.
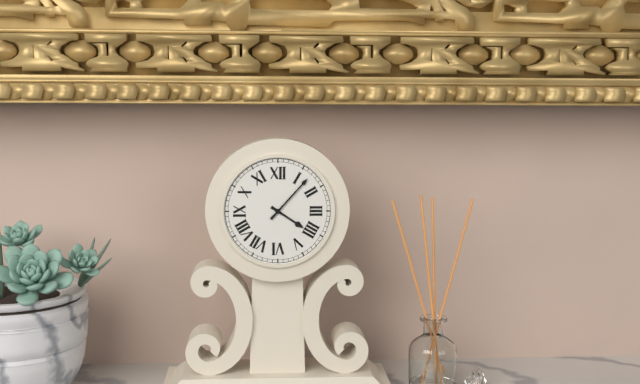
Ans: {"hour": 4, "minute": 7}
